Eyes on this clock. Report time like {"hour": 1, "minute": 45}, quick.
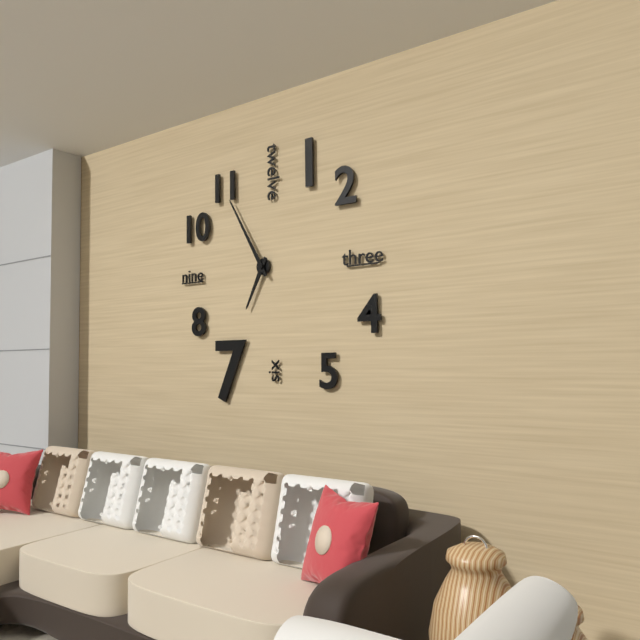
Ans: {"hour": 6, "minute": 55}
